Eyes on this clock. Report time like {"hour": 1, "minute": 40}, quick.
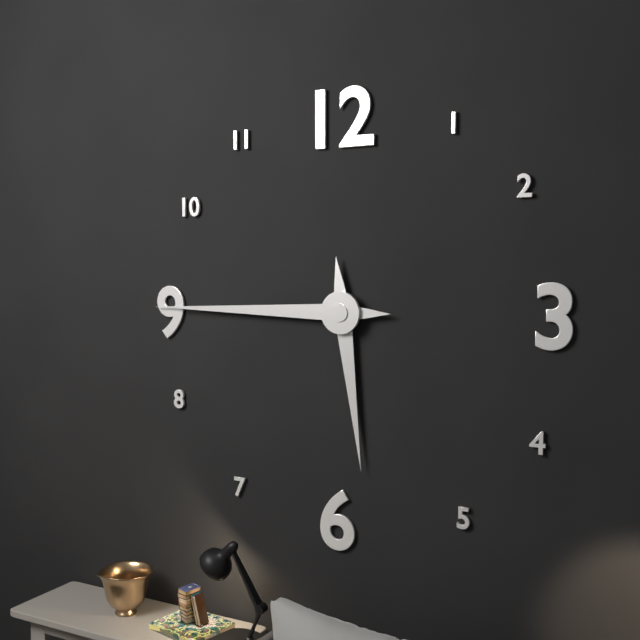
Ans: {"hour": 5, "minute": 45}
